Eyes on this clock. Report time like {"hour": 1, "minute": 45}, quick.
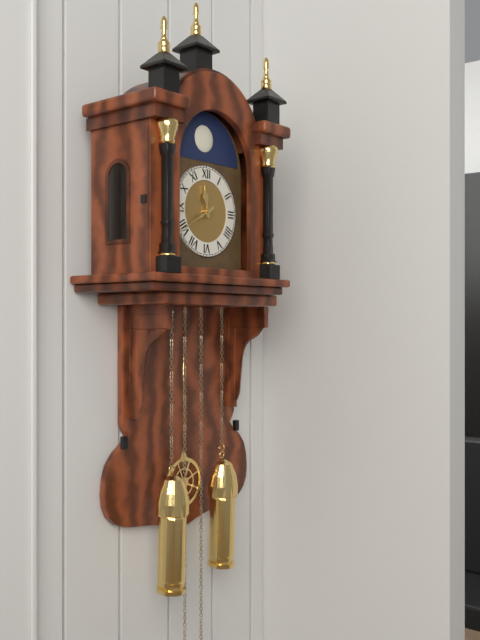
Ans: {"hour": 11, "minute": 40}
